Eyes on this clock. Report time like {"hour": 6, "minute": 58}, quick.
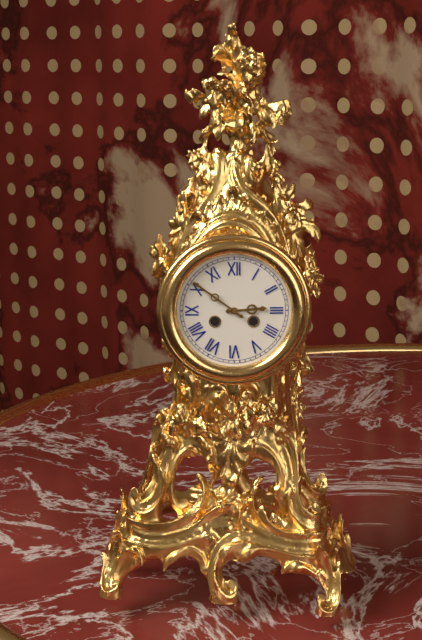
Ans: {"hour": 2, "minute": 51}
